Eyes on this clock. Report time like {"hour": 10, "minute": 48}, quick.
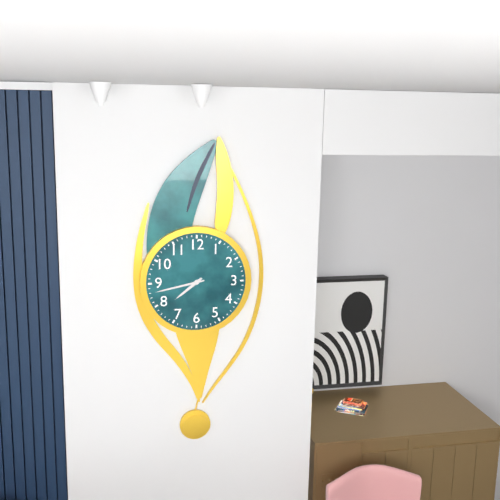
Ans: {"hour": 7, "minute": 43}
